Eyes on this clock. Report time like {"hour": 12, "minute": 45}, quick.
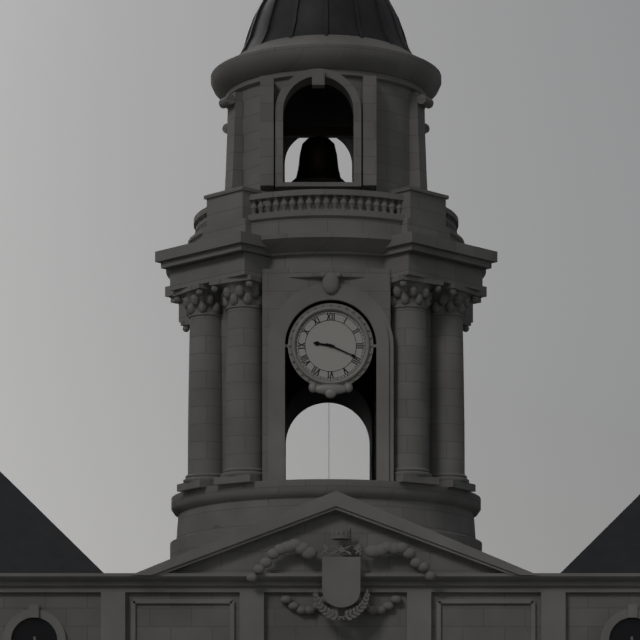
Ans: {"hour": 9, "minute": 19}
